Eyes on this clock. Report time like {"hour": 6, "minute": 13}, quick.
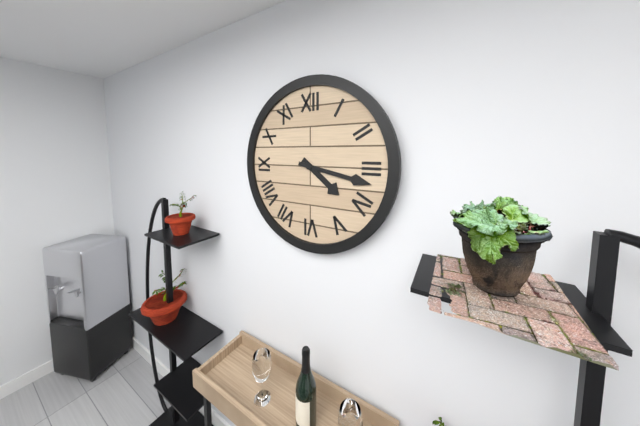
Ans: {"hour": 4, "minute": 17}
